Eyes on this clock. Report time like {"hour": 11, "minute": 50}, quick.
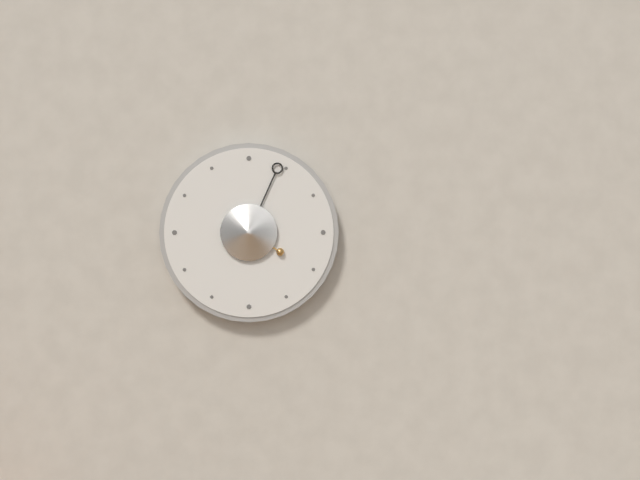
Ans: {"hour": 4, "minute": 4}
